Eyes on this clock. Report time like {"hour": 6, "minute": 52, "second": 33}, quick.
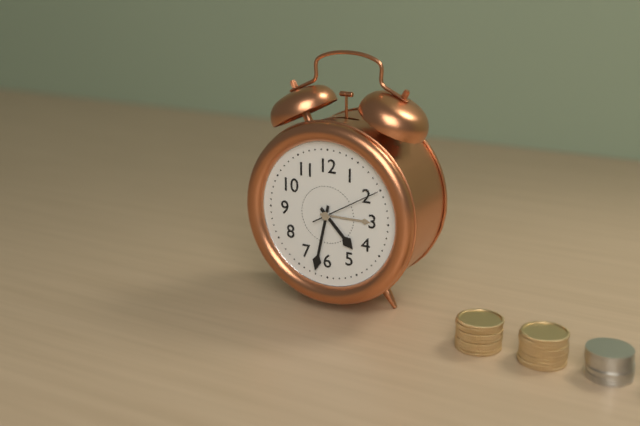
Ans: {"hour": 4, "minute": 32, "second": 10}
